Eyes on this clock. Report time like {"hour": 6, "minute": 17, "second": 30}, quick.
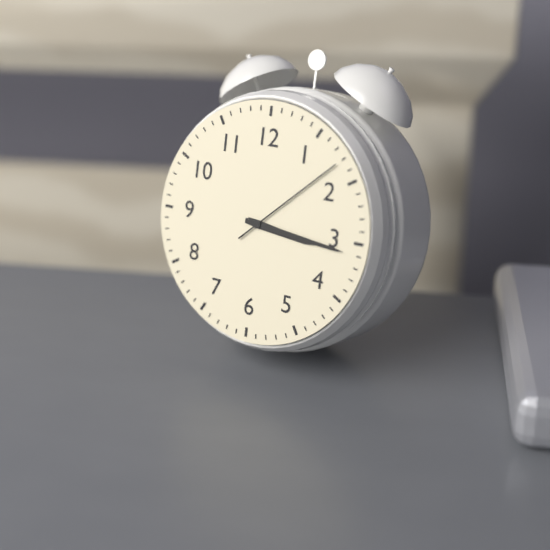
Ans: {"hour": 3, "minute": 16, "second": 8}
